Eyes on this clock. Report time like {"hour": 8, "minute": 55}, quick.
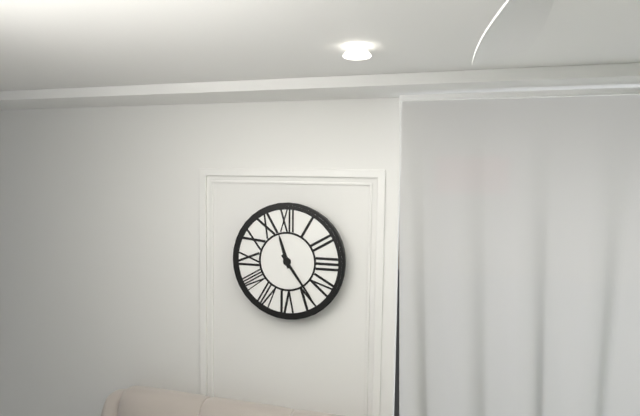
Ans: {"hour": 11, "minute": 24}
